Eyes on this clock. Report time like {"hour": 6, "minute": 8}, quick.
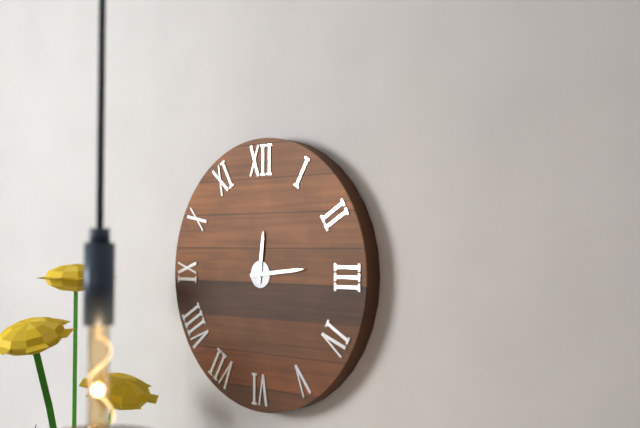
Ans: {"hour": 12, "minute": 14}
